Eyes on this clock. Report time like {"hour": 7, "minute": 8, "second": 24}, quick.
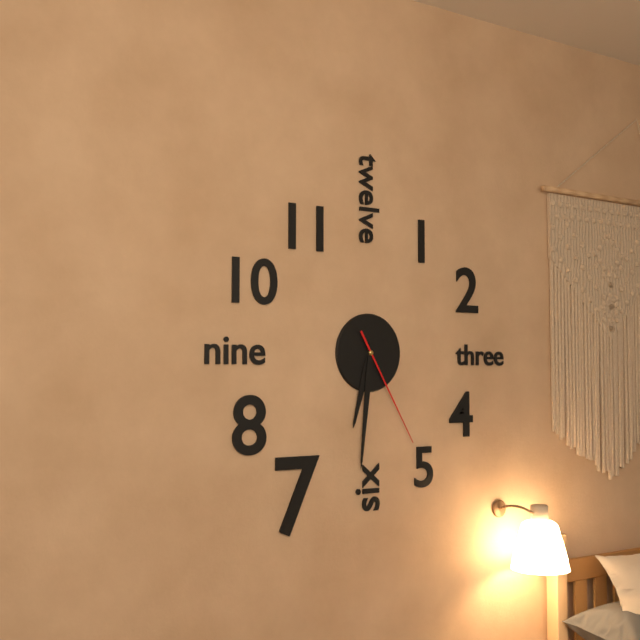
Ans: {"hour": 6, "minute": 31, "second": 25}
